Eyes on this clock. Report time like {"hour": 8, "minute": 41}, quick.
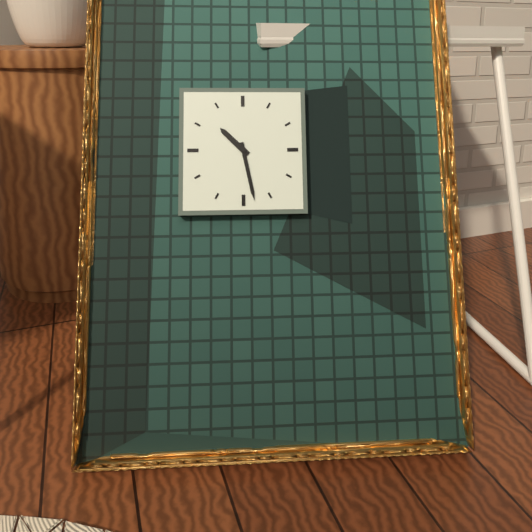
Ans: {"hour": 10, "minute": 28}
